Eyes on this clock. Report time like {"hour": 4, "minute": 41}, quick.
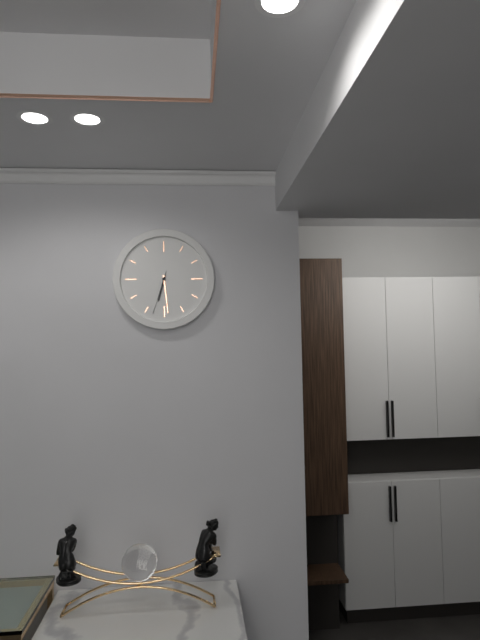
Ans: {"hour": 6, "minute": 29}
